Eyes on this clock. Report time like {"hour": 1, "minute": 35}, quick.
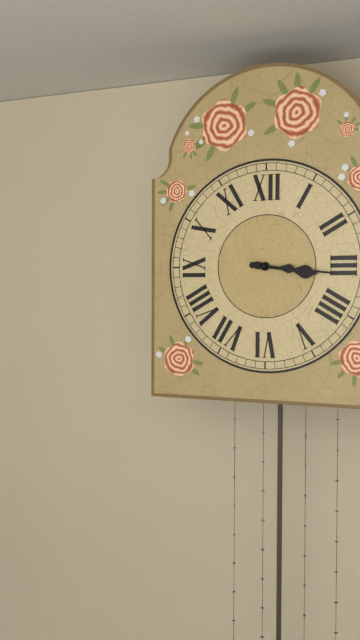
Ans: {"hour": 3, "minute": 16}
